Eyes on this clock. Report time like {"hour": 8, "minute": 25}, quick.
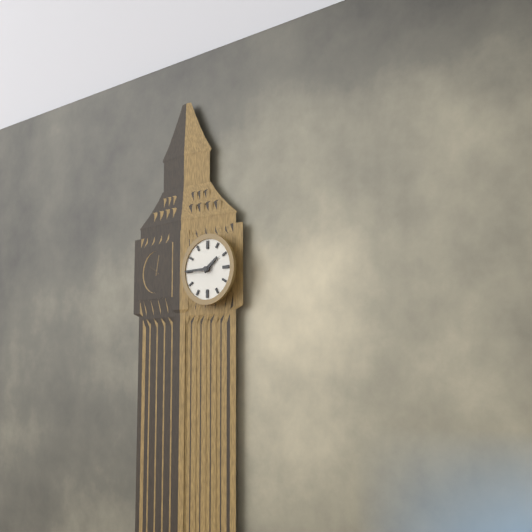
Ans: {"hour": 1, "minute": 45}
